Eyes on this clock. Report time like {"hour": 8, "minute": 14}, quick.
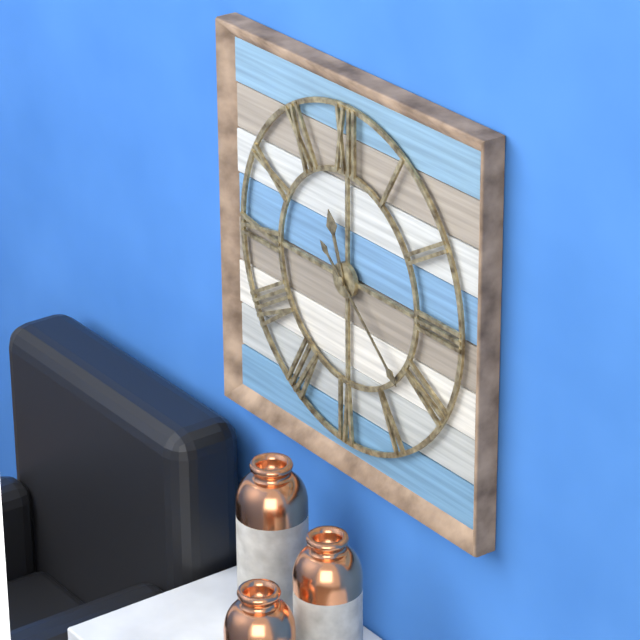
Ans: {"hour": 11, "minute": 22}
